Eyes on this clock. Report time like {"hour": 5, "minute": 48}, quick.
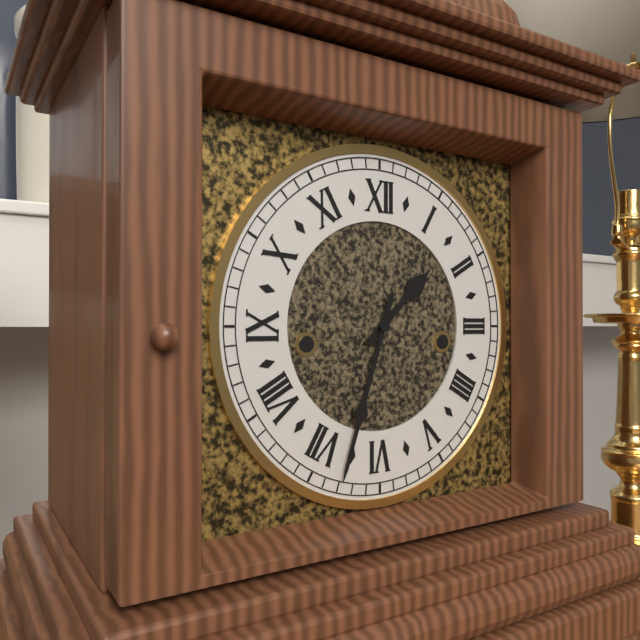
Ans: {"hour": 1, "minute": 33}
